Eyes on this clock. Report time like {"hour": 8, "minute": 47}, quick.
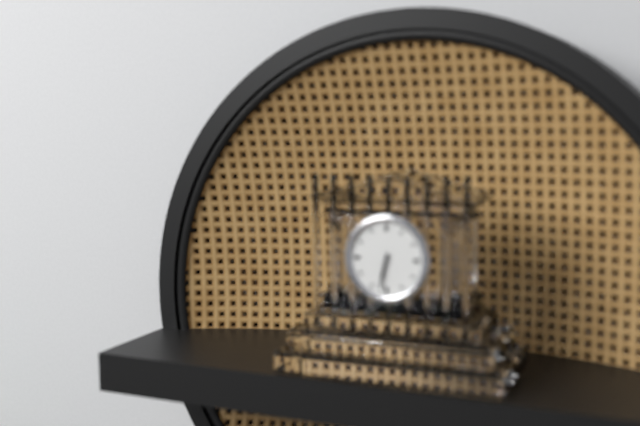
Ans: {"hour": 6, "minute": 32}
